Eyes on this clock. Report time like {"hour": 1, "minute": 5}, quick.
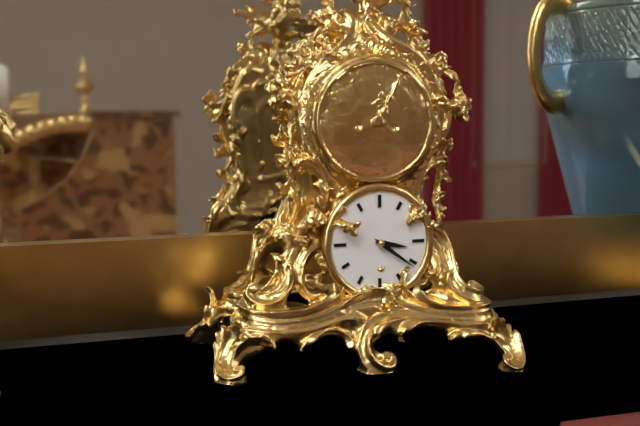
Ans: {"hour": 3, "minute": 21}
